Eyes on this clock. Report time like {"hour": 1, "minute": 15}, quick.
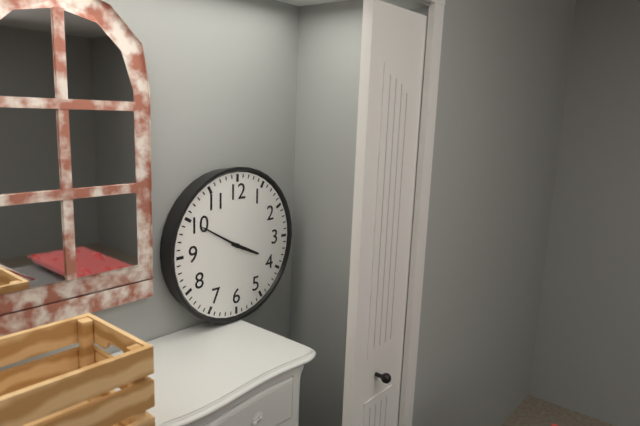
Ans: {"hour": 3, "minute": 50}
